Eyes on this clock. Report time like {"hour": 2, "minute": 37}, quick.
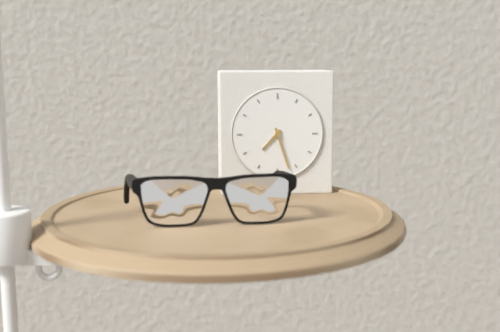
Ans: {"hour": 7, "minute": 27}
